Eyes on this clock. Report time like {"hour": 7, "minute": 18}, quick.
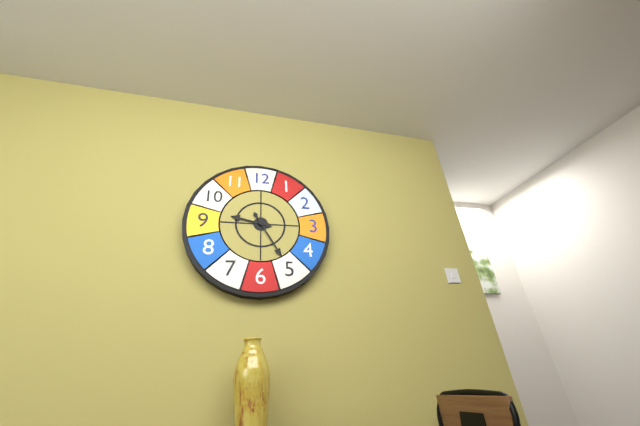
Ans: {"hour": 9, "minute": 25}
